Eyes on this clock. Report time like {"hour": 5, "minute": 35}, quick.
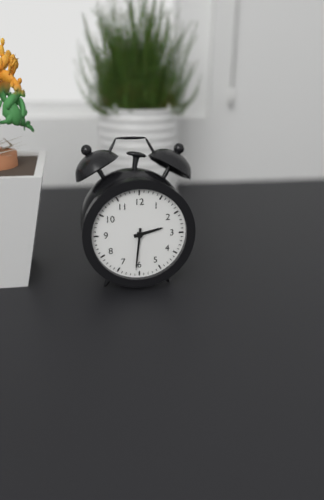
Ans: {"hour": 2, "minute": 31}
